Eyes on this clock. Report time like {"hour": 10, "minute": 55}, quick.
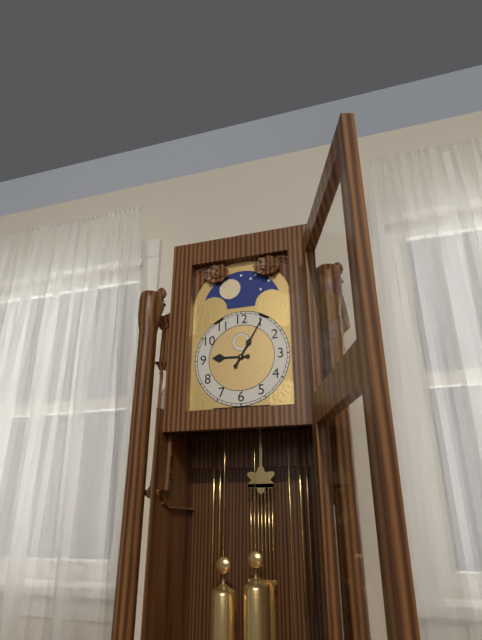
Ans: {"hour": 9, "minute": 5}
